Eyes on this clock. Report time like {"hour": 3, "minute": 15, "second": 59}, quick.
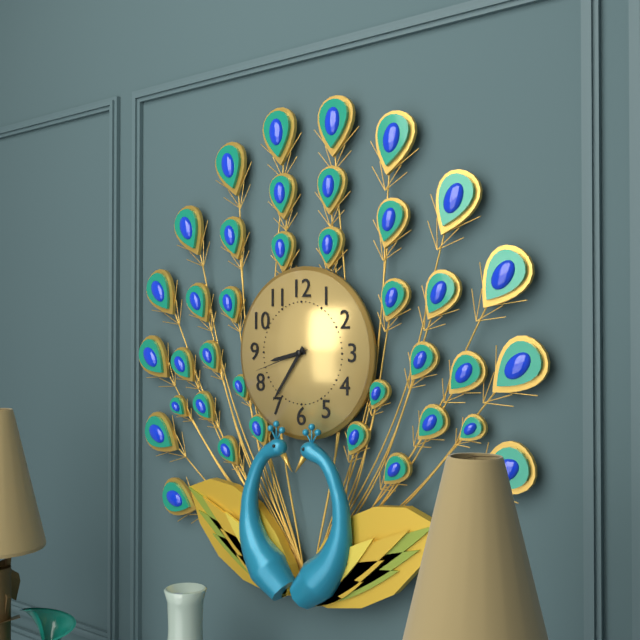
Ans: {"hour": 8, "minute": 36, "second": 42}
